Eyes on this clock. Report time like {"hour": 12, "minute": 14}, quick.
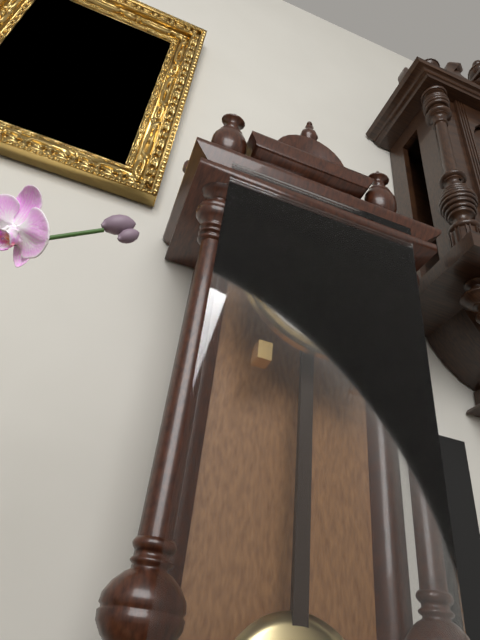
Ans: {"hour": 6, "minute": 24}
